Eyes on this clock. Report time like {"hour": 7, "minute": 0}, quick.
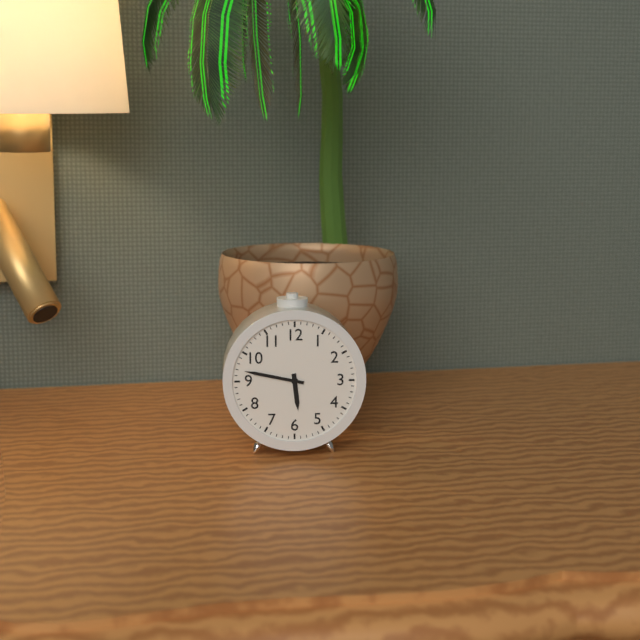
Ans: {"hour": 5, "minute": 47}
